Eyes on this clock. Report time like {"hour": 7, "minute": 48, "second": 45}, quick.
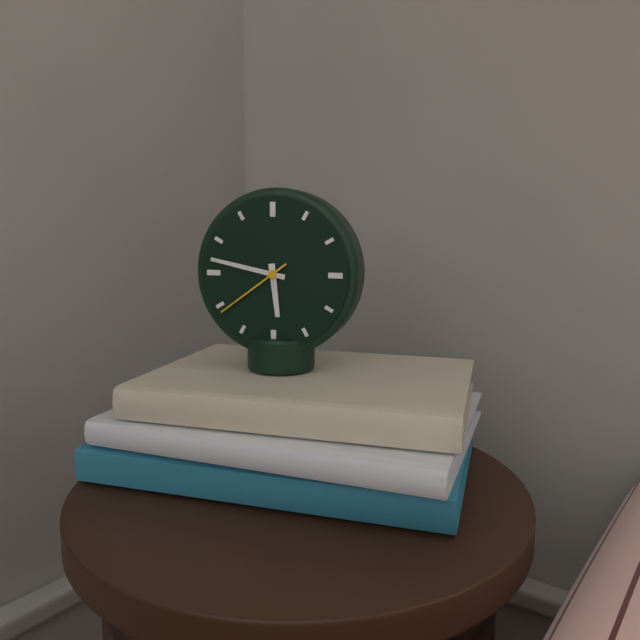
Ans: {"hour": 5, "minute": 47, "second": 39}
